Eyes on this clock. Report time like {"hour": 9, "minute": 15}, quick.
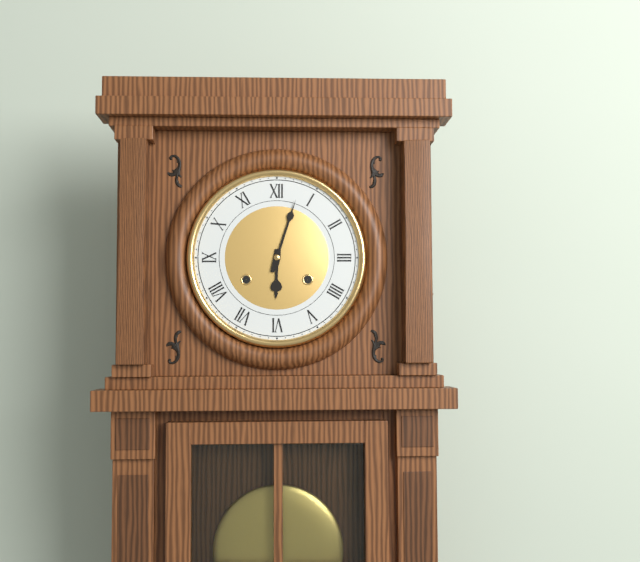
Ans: {"hour": 6, "minute": 3}
